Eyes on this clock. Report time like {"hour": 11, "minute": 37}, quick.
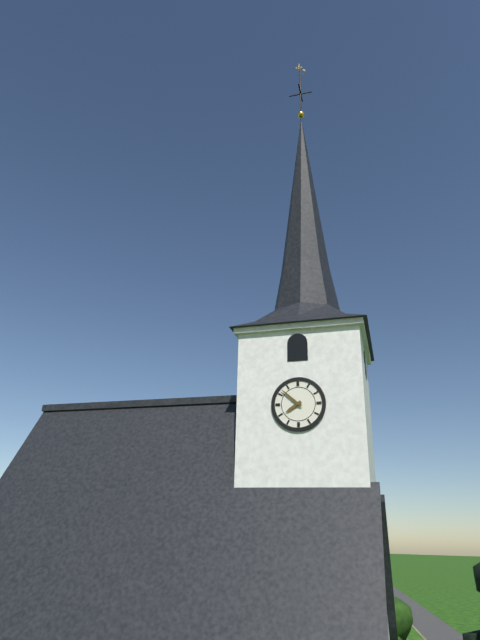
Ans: {"hour": 7, "minute": 52}
